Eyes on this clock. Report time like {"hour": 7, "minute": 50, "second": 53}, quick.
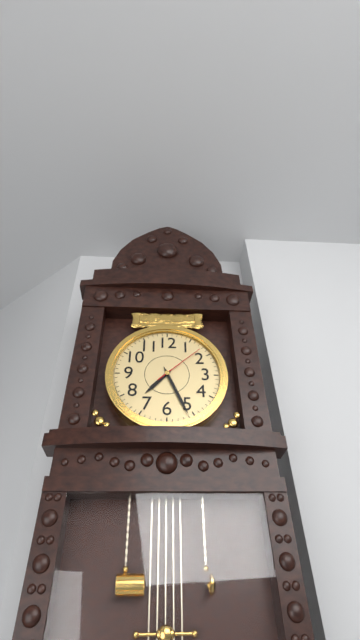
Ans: {"hour": 7, "minute": 26, "second": 8}
